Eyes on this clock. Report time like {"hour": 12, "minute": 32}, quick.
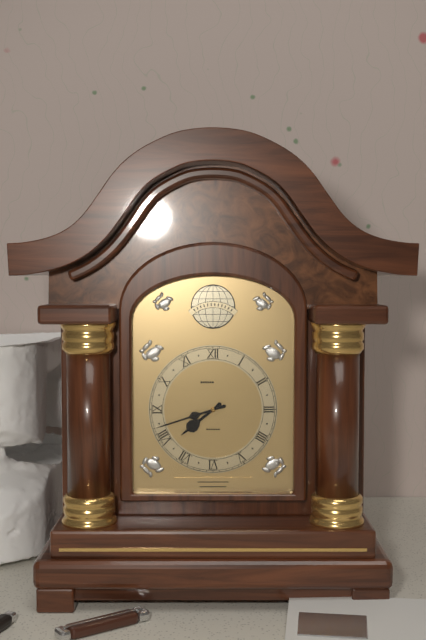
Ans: {"hour": 7, "minute": 42}
